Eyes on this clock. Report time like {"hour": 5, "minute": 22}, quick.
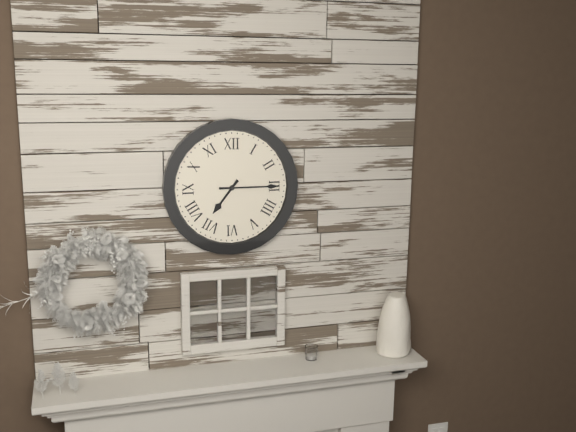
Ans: {"hour": 7, "minute": 15}
